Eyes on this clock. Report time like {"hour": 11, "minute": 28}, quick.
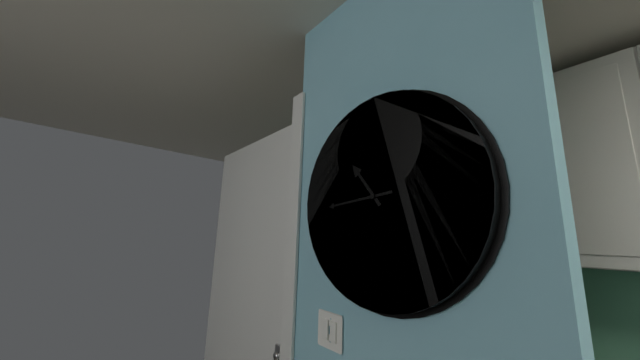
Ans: {"hour": 10, "minute": 44}
